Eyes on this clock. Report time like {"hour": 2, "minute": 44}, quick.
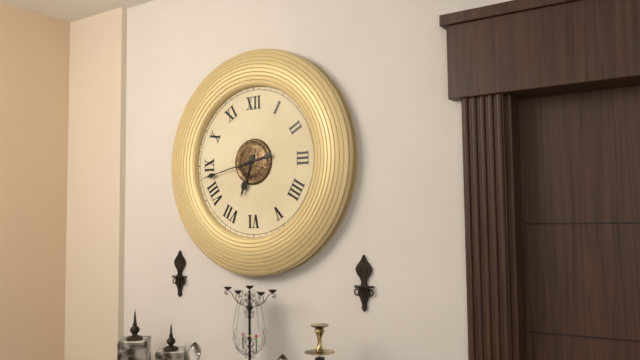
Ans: {"hour": 6, "minute": 43}
